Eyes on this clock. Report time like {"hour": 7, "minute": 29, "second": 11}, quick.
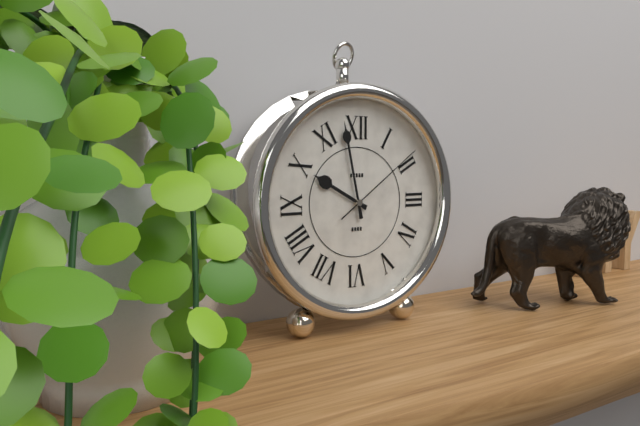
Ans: {"hour": 9, "minute": 58, "second": 9}
